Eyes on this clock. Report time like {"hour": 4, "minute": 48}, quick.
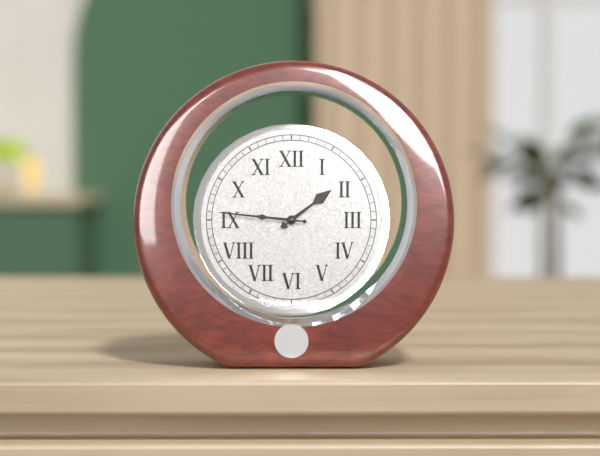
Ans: {"hour": 1, "minute": 46}
